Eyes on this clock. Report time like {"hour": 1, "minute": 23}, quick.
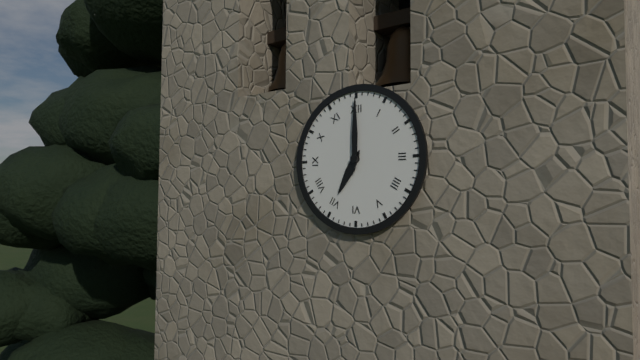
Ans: {"hour": 7, "minute": 0}
